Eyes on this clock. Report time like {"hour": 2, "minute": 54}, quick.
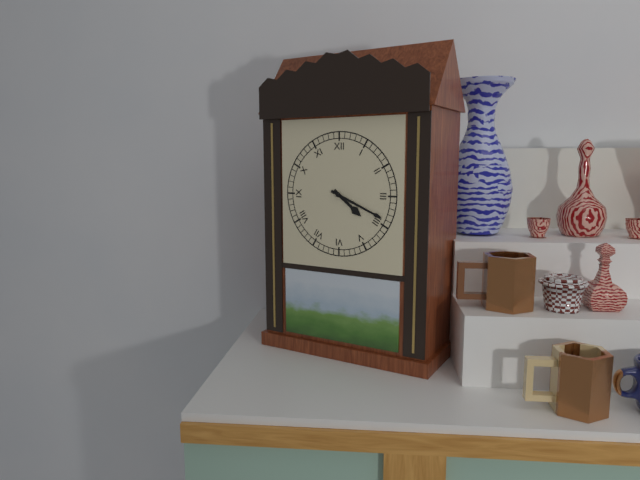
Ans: {"hour": 4, "minute": 19}
